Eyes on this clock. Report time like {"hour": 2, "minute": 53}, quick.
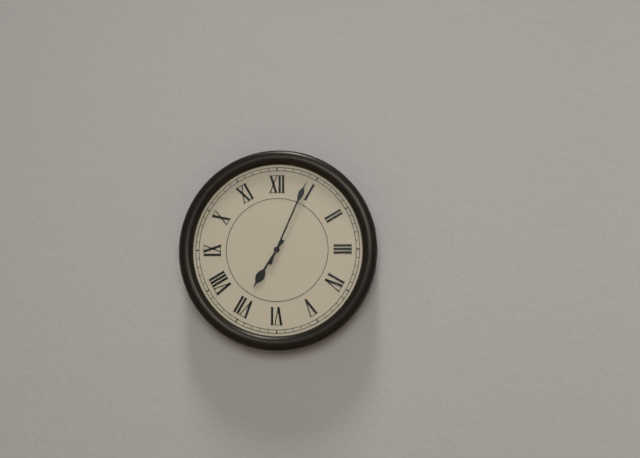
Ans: {"hour": 7, "minute": 4}
